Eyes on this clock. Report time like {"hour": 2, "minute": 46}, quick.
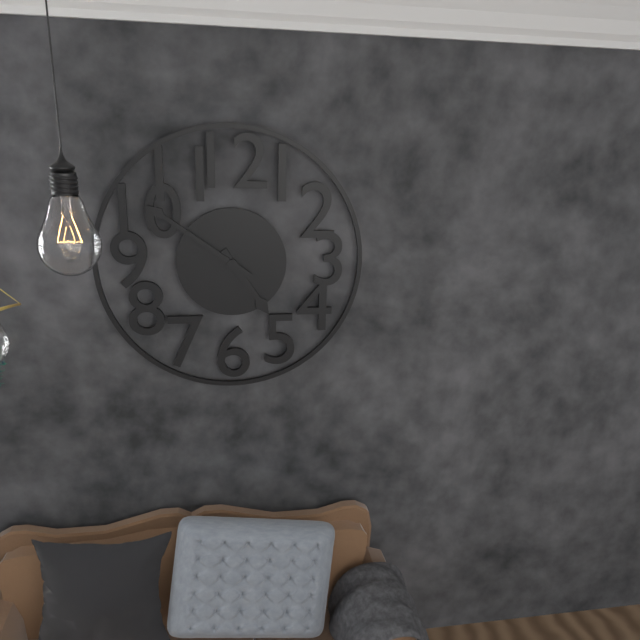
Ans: {"hour": 4, "minute": 51}
